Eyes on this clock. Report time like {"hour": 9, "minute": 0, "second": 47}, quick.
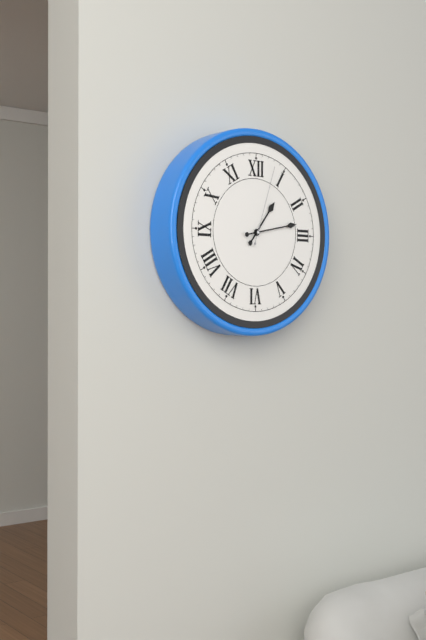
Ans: {"hour": 1, "minute": 13, "second": 3}
